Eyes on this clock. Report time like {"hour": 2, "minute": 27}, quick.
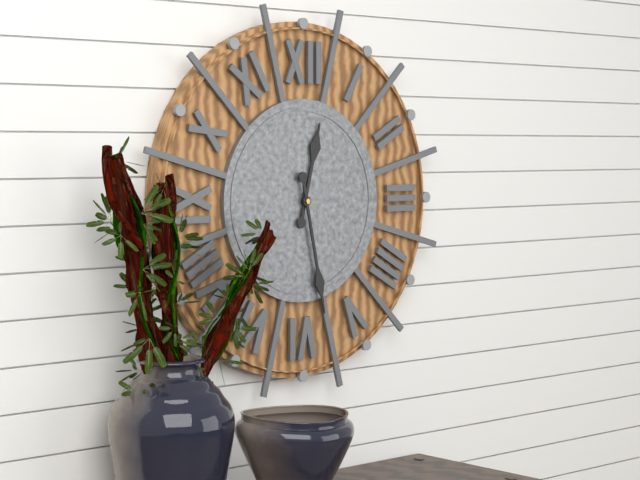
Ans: {"hour": 12, "minute": 28}
